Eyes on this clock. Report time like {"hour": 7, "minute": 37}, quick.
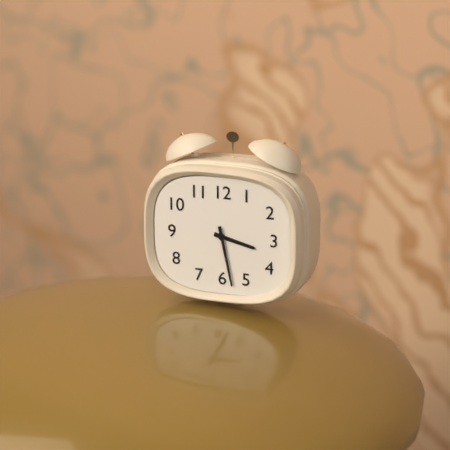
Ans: {"hour": 3, "minute": 28}
